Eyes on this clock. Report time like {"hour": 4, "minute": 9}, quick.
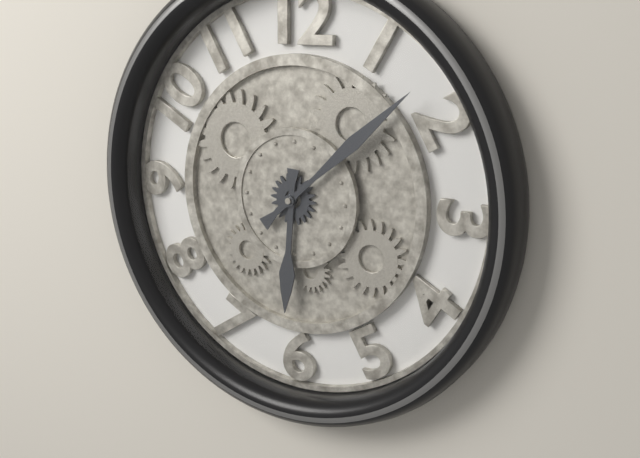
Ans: {"hour": 6, "minute": 8}
